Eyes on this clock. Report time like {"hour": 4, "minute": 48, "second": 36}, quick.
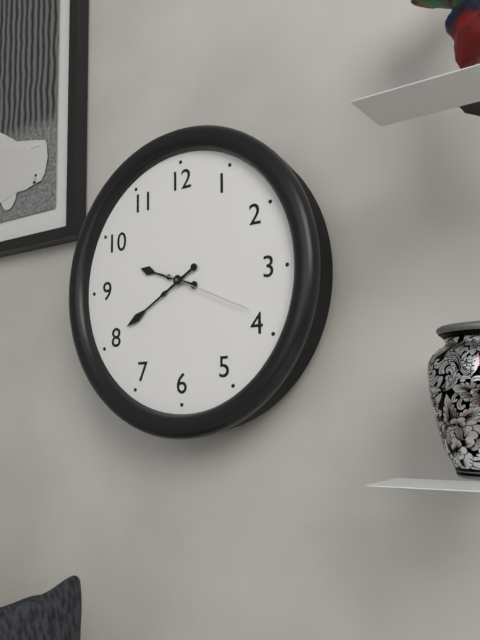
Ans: {"hour": 9, "minute": 40, "second": 19}
